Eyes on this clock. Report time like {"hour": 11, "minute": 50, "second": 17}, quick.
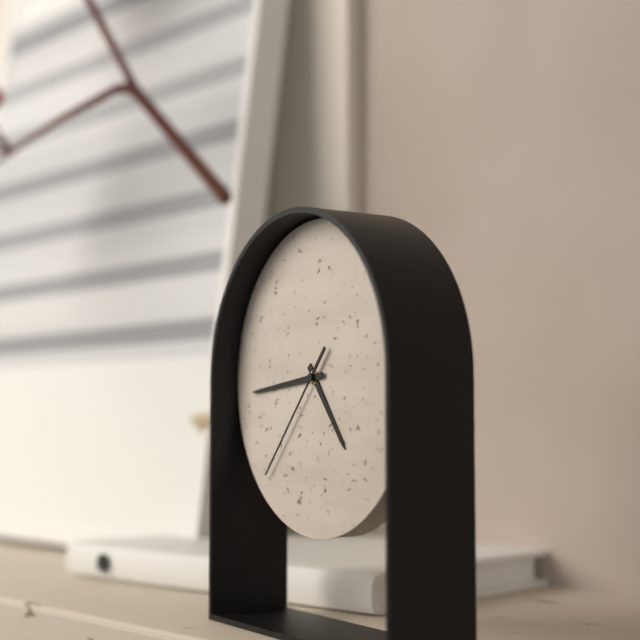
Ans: {"hour": 4, "minute": 44, "second": 37}
